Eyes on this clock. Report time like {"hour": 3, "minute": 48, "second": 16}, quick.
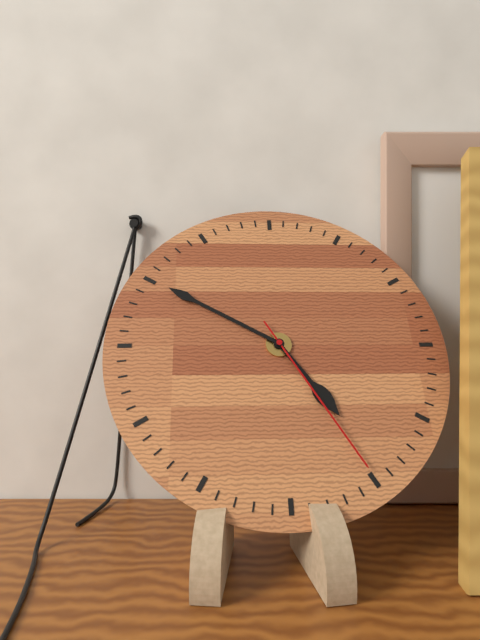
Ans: {"hour": 4, "minute": 50, "second": 25}
